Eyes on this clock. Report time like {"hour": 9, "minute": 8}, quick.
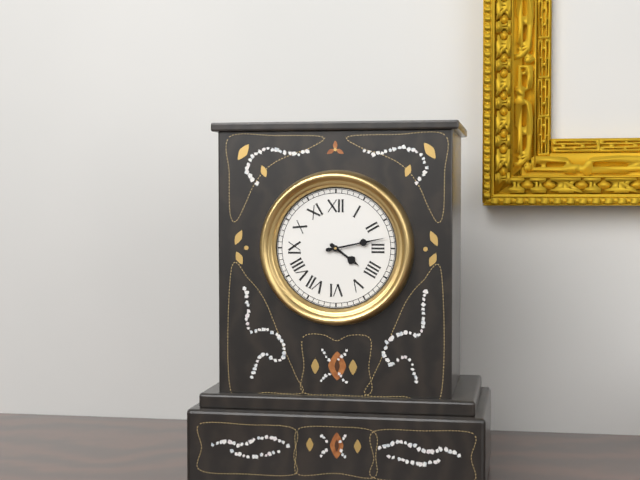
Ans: {"hour": 4, "minute": 13}
